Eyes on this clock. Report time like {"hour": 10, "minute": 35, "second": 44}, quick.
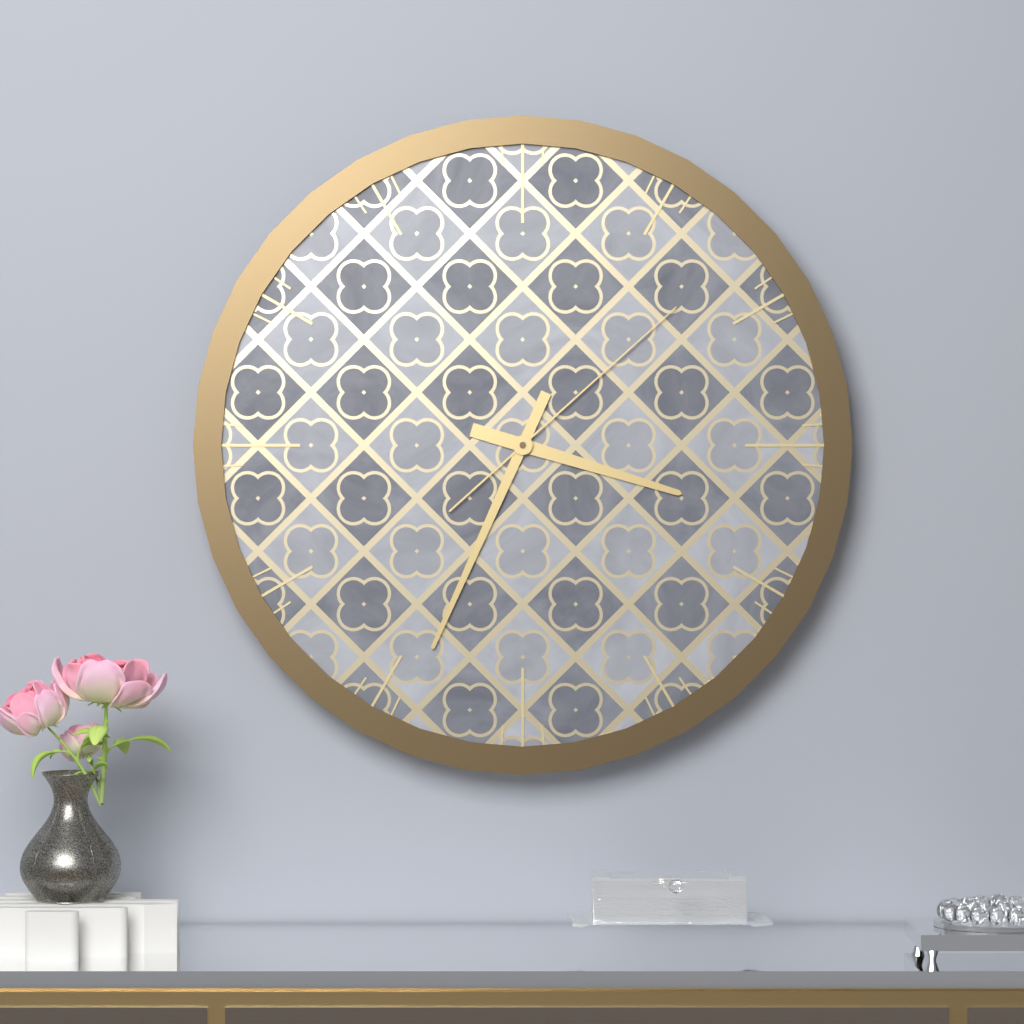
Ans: {"hour": 3, "minute": 34, "second": 8}
